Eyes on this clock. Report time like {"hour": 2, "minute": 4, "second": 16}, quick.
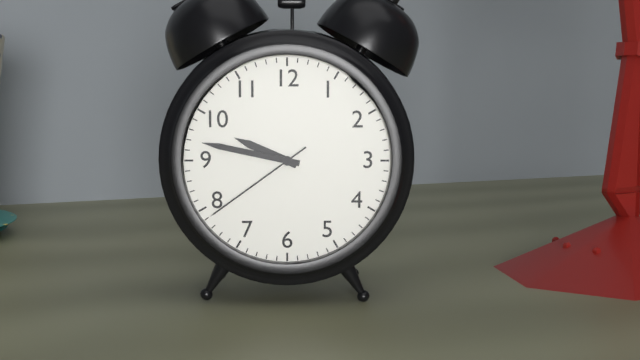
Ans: {"hour": 9, "minute": 47, "second": 39}
